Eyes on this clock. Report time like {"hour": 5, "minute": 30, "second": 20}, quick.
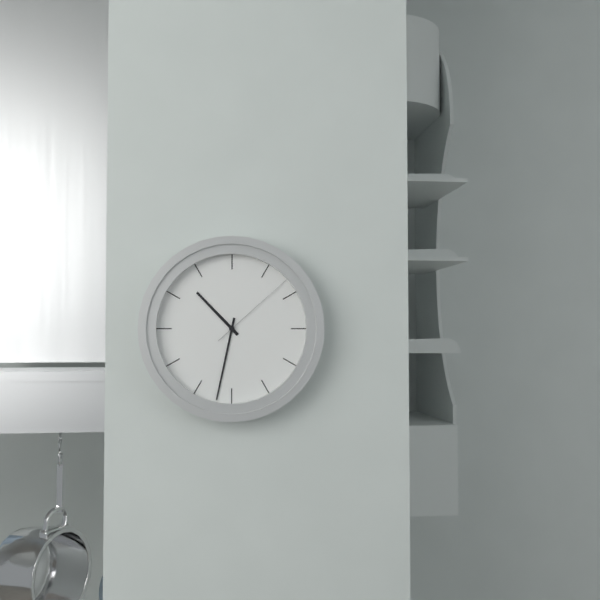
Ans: {"hour": 10, "minute": 32, "second": 8}
